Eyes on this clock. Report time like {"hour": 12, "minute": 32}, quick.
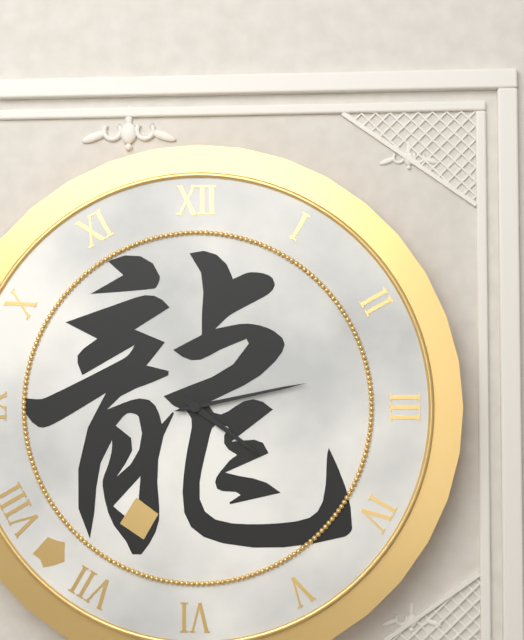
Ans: {"hour": 4, "minute": 13}
